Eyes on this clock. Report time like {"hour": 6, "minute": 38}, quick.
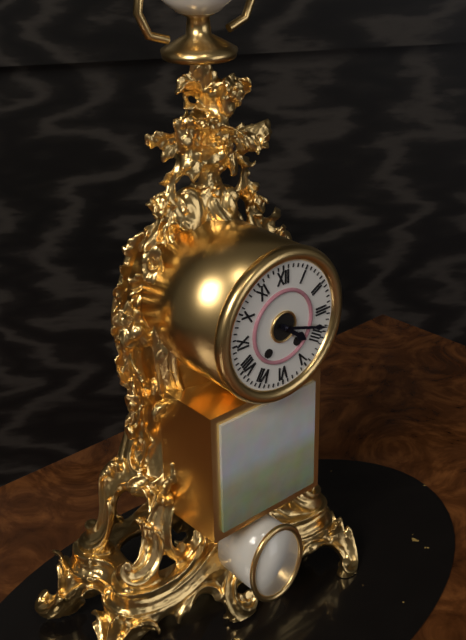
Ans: {"hour": 4, "minute": 18}
